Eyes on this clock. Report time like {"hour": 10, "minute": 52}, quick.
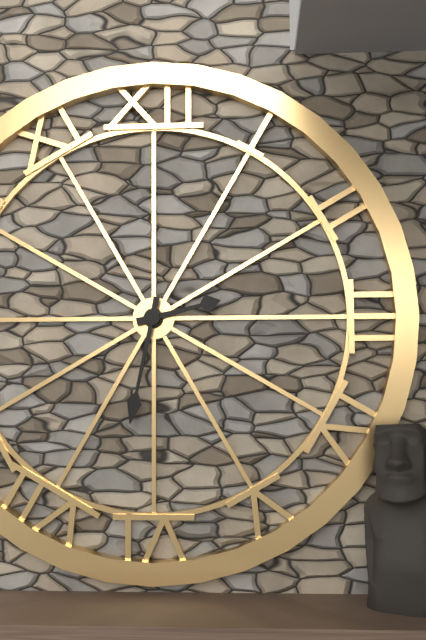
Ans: {"hour": 2, "minute": 32}
